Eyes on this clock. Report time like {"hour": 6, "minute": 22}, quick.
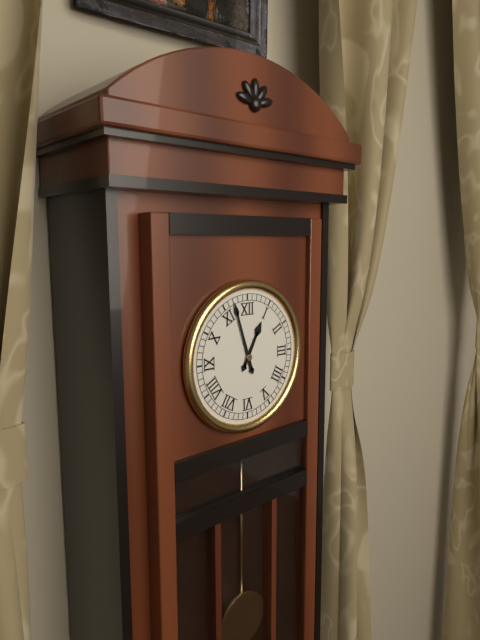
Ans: {"hour": 12, "minute": 57}
